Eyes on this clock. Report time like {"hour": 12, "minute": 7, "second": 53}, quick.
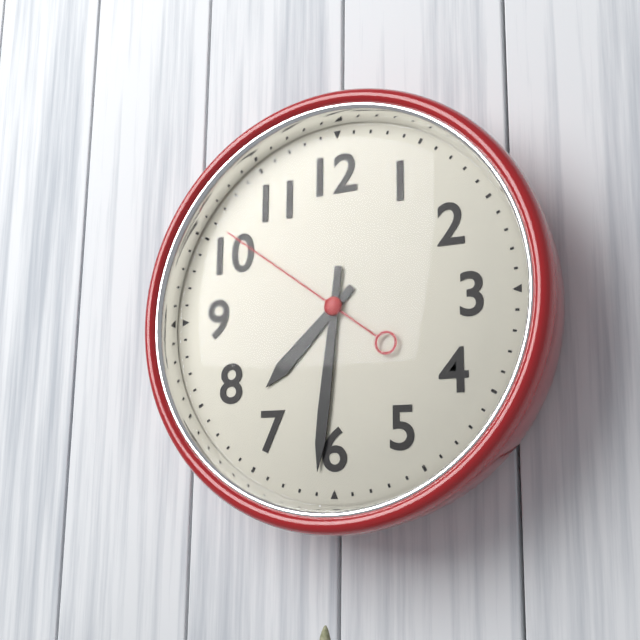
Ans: {"hour": 7, "minute": 31, "second": 51}
